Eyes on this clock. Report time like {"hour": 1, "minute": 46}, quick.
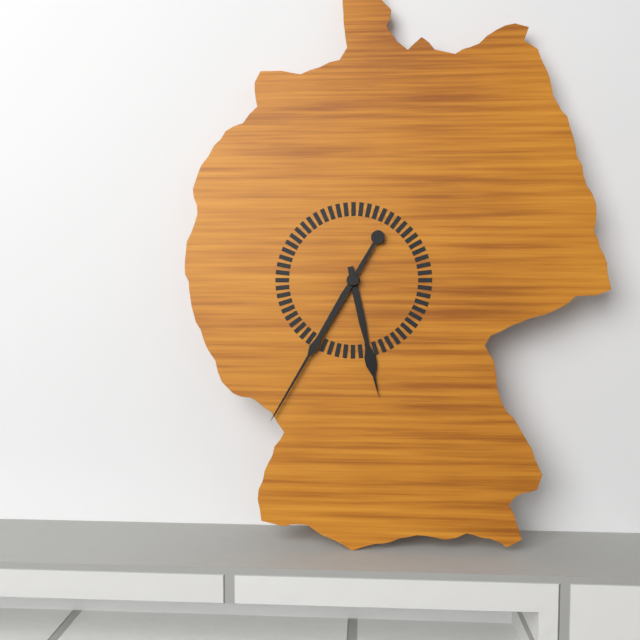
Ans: {"hour": 5, "minute": 35}
